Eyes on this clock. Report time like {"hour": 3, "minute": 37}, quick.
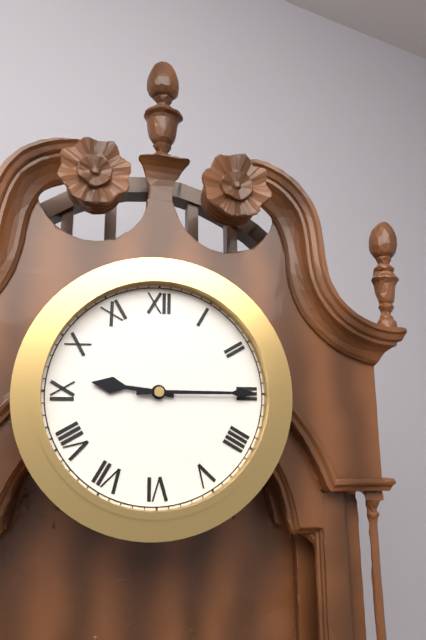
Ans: {"hour": 9, "minute": 15}
